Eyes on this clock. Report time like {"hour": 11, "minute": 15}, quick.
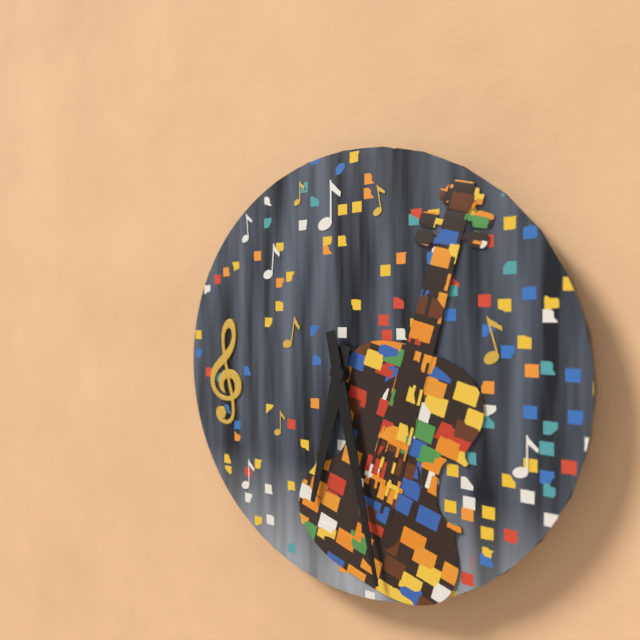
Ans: {"hour": 6, "minute": 28}
